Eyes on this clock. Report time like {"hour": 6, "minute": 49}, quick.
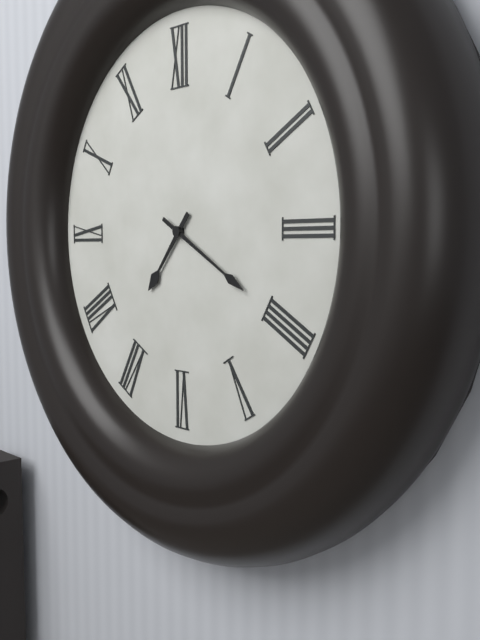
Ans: {"hour": 7, "minute": 20}
